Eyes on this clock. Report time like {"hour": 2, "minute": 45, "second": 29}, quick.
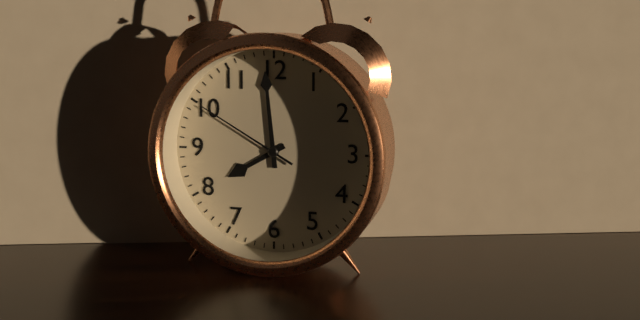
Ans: {"hour": 7, "minute": 59, "second": 50}
